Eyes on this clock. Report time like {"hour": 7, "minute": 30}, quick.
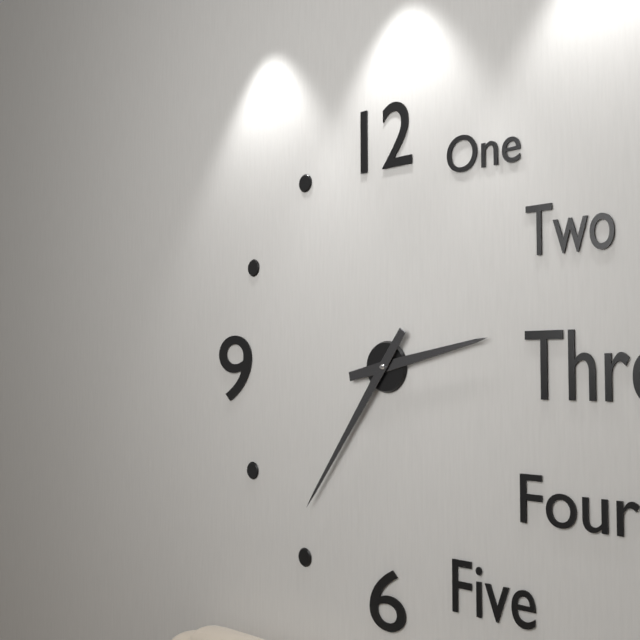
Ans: {"hour": 2, "minute": 36}
